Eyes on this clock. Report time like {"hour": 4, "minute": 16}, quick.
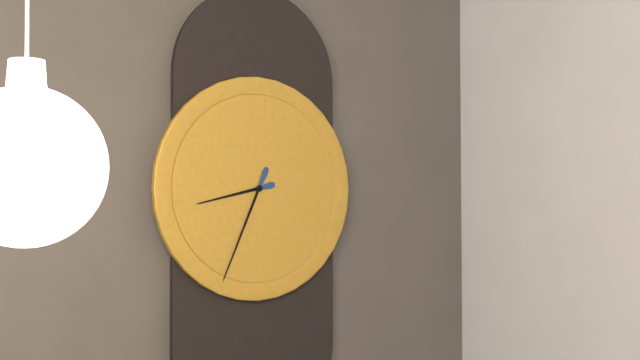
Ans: {"hour": 8, "minute": 34}
